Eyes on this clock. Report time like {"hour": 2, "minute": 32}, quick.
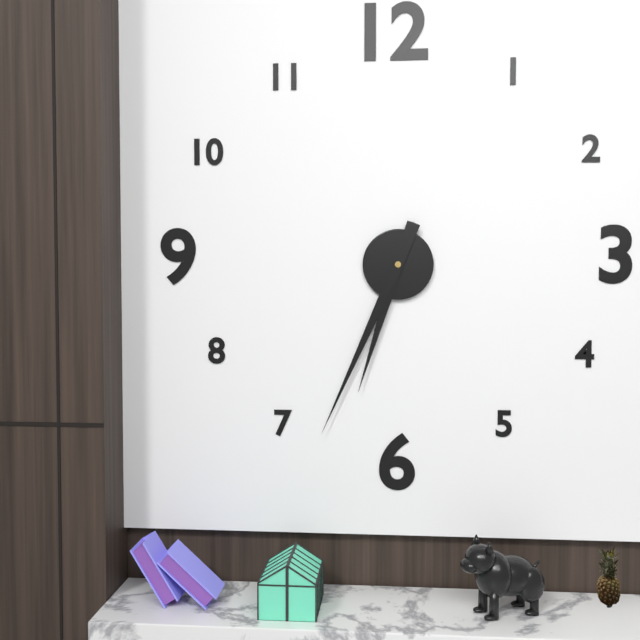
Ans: {"hour": 6, "minute": 34}
